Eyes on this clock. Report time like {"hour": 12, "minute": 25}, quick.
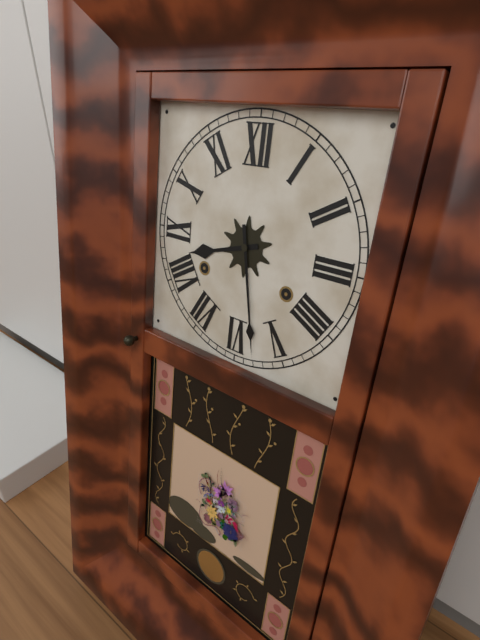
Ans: {"hour": 8, "minute": 28}
